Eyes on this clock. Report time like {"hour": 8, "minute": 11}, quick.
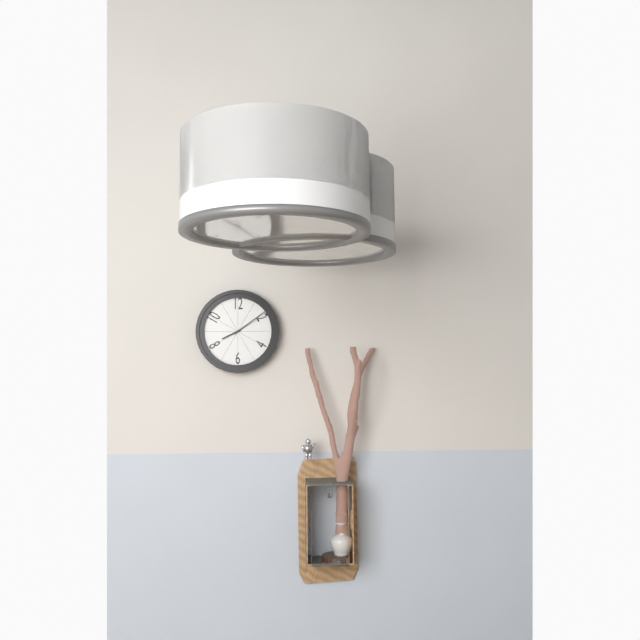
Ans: {"hour": 8, "minute": 9}
